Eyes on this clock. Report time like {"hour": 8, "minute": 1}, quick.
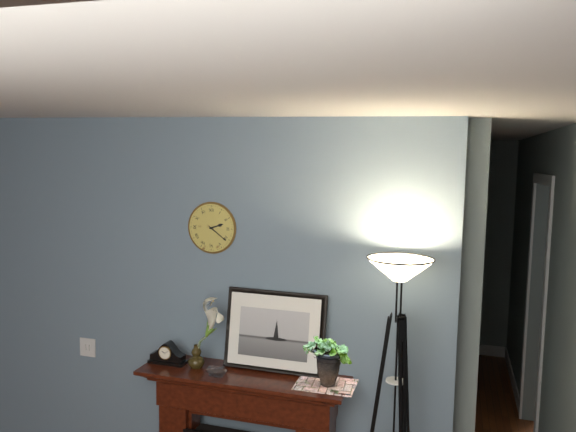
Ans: {"hour": 2, "minute": 21}
